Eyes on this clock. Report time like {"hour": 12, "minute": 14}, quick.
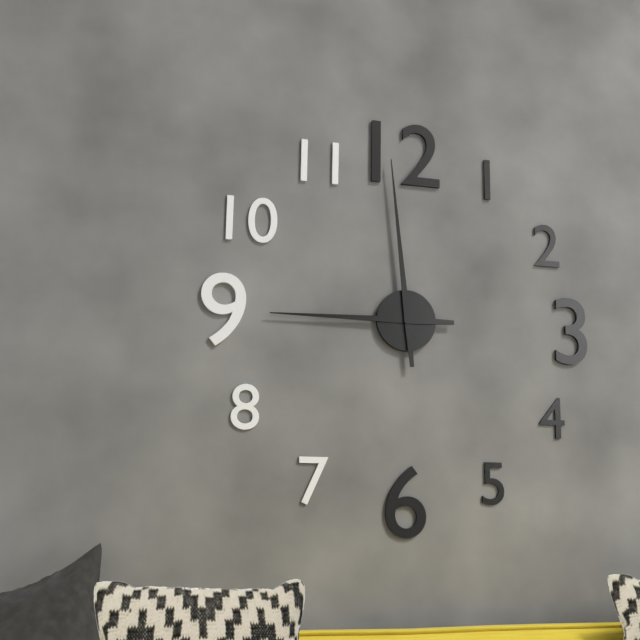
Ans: {"hour": 8, "minute": 59}
